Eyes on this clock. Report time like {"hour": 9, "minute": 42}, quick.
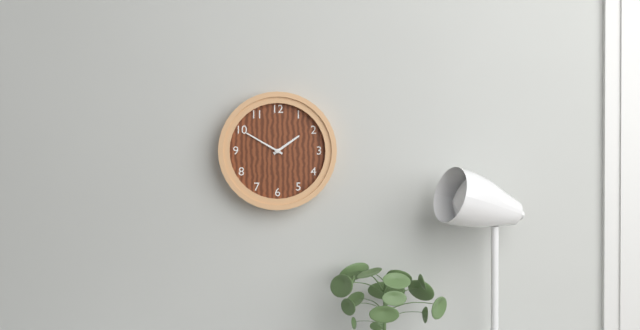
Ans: {"hour": 1, "minute": 50}
